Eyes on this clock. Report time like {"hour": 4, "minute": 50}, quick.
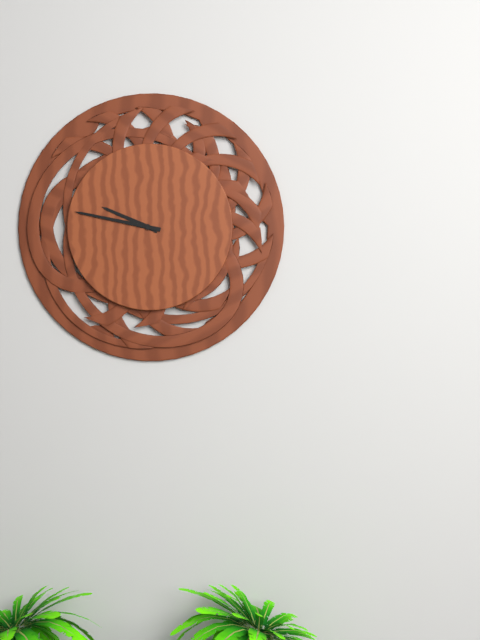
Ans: {"hour": 9, "minute": 47}
